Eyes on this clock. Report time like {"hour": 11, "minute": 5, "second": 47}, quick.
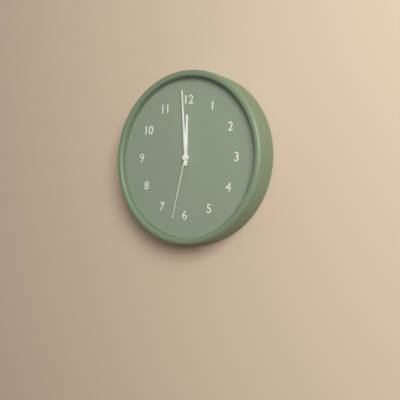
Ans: {"hour": 11, "minute": 59, "second": 32}
